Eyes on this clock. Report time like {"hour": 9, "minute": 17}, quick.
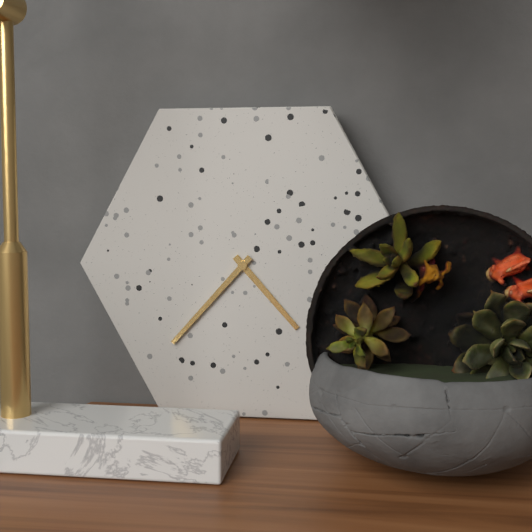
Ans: {"hour": 4, "minute": 37}
